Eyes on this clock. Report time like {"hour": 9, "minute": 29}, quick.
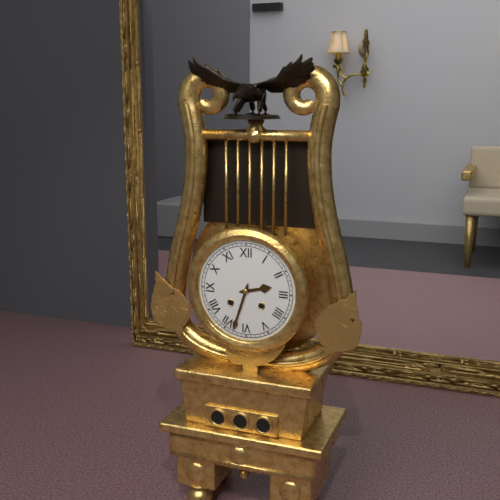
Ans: {"hour": 2, "minute": 33}
